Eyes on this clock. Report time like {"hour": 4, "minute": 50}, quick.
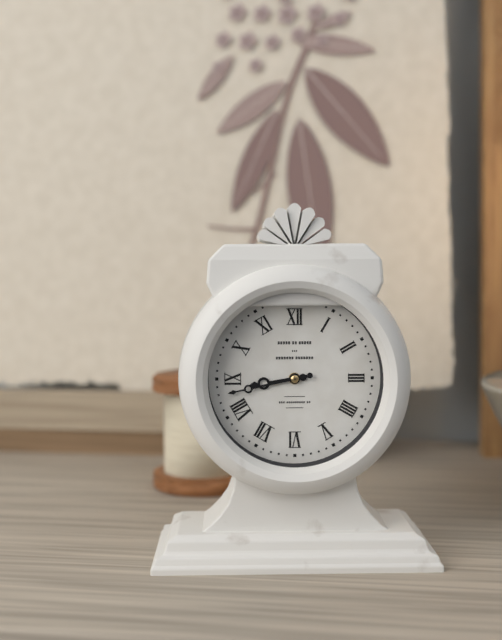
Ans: {"hour": 8, "minute": 43}
